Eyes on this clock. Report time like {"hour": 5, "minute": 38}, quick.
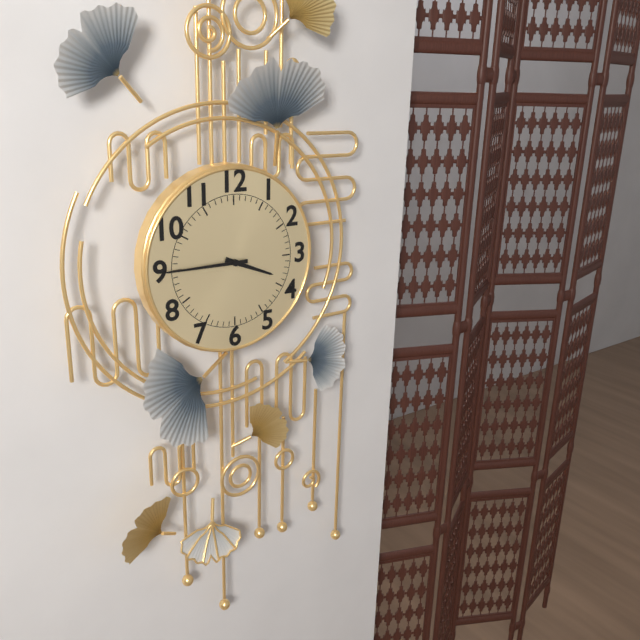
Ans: {"hour": 3, "minute": 45}
